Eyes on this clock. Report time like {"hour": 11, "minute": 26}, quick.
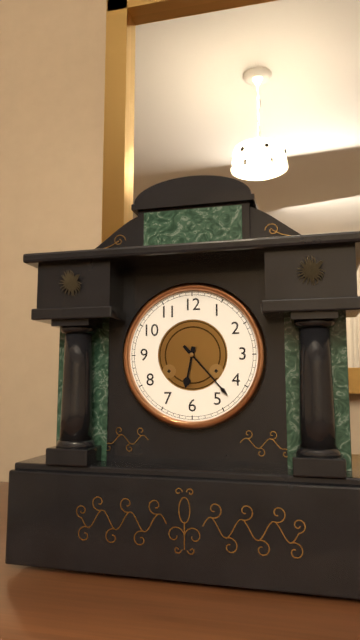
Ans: {"hour": 6, "minute": 23}
